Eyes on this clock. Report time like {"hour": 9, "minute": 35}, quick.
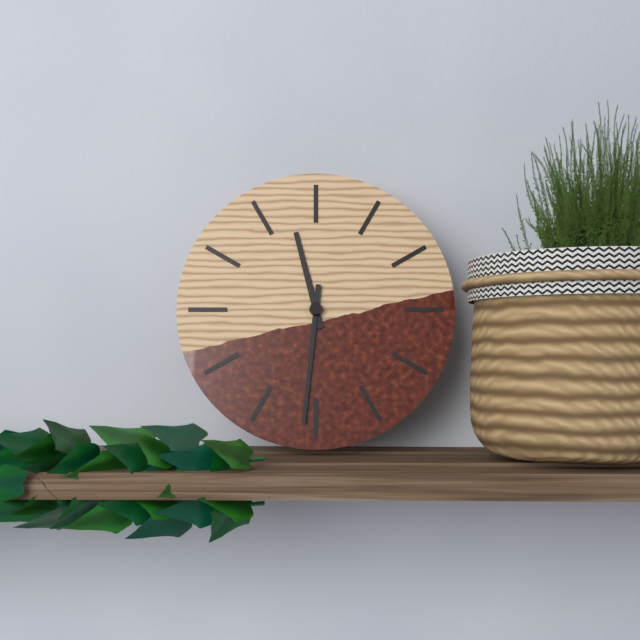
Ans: {"hour": 11, "minute": 31}
